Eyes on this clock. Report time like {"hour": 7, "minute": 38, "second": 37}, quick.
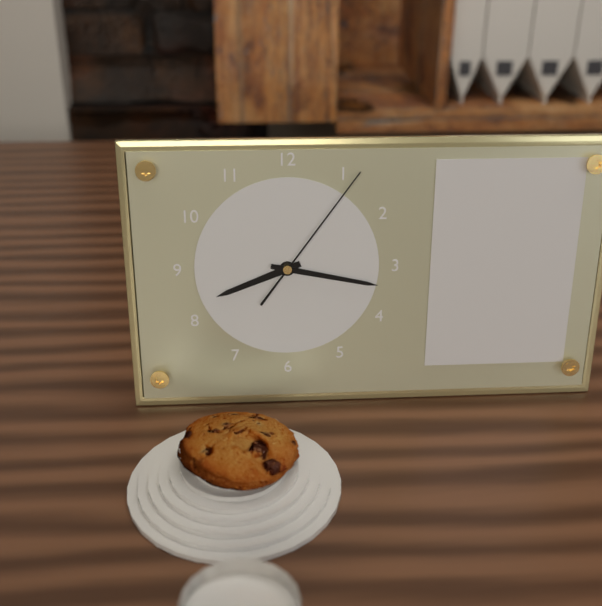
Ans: {"hour": 8, "minute": 17, "second": 6}
